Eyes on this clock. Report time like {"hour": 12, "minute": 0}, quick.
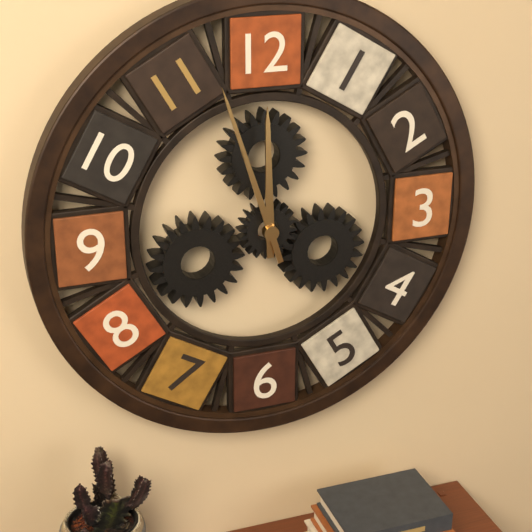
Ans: {"hour": 11, "minute": 57}
